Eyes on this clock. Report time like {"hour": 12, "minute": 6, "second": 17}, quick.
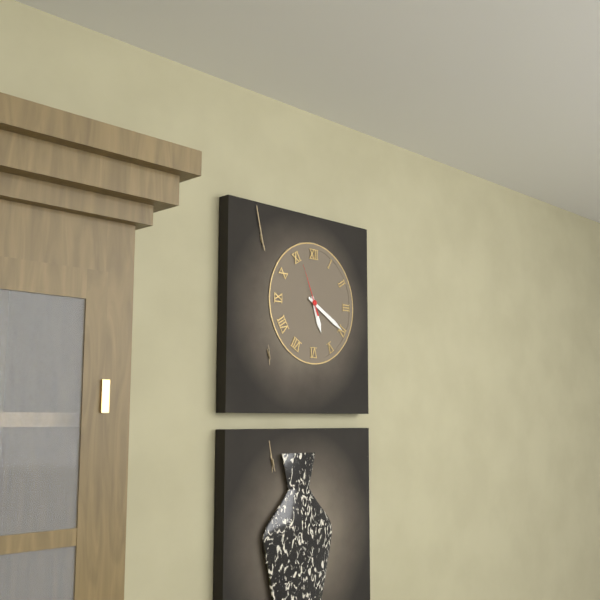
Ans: {"hour": 5, "minute": 20, "second": 56}
